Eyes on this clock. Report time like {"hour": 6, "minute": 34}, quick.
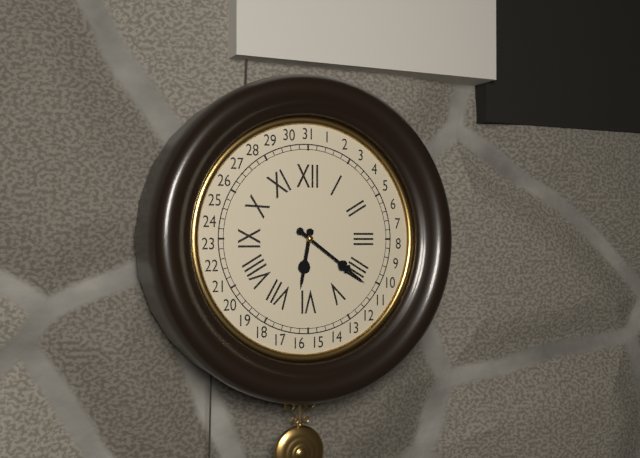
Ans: {"hour": 6, "minute": 21}
